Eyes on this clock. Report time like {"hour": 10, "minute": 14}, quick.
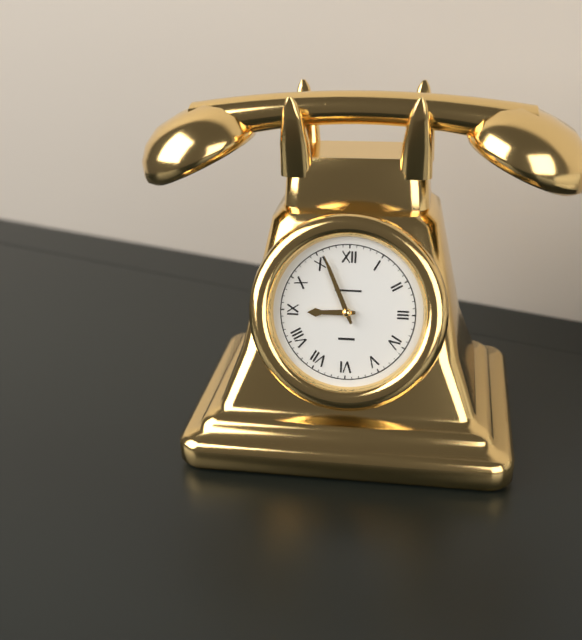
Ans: {"hour": 8, "minute": 56}
